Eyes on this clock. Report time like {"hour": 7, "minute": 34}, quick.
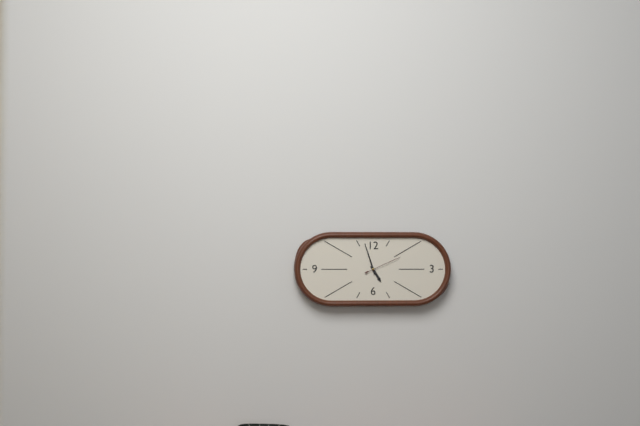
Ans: {"hour": 4, "minute": 57}
